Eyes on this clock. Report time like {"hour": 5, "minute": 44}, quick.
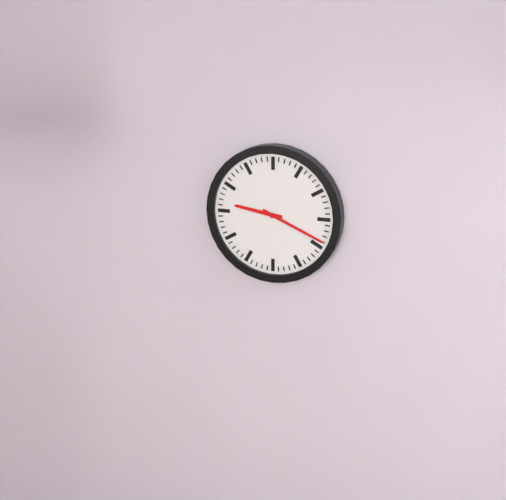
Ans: {"hour": 9, "minute": 19}
